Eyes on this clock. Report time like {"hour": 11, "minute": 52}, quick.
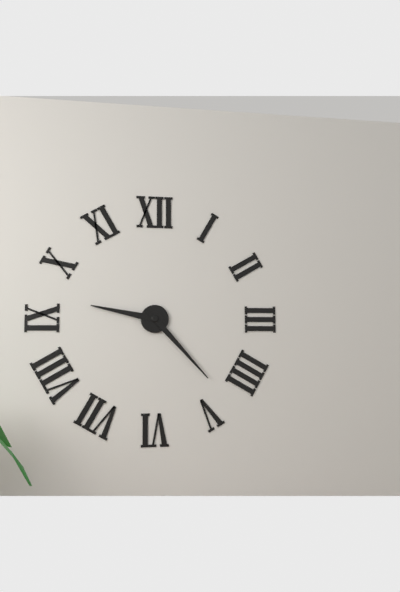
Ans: {"hour": 9, "minute": 23}
